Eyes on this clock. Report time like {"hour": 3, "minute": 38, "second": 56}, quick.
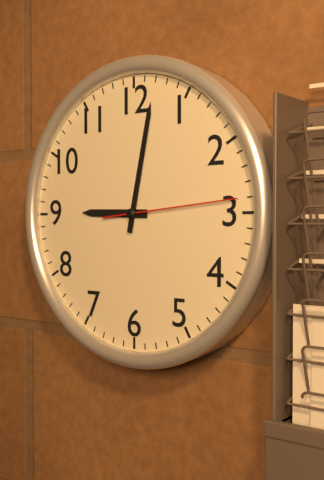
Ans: {"hour": 9, "minute": 2, "second": 14}
